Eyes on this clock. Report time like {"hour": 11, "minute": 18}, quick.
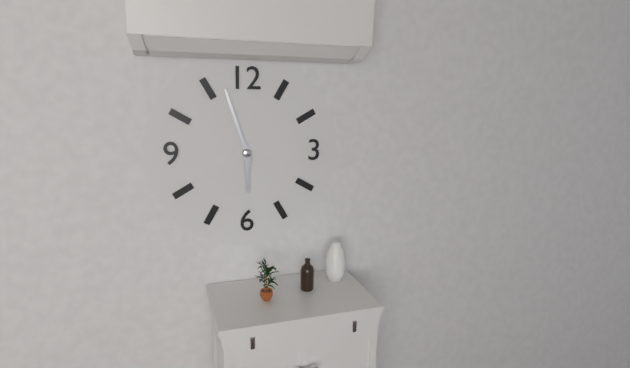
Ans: {"hour": 5, "minute": 57}
